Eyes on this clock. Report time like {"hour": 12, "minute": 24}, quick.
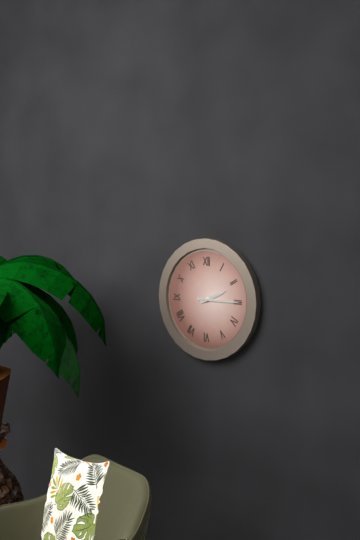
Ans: {"hour": 2, "minute": 15}
